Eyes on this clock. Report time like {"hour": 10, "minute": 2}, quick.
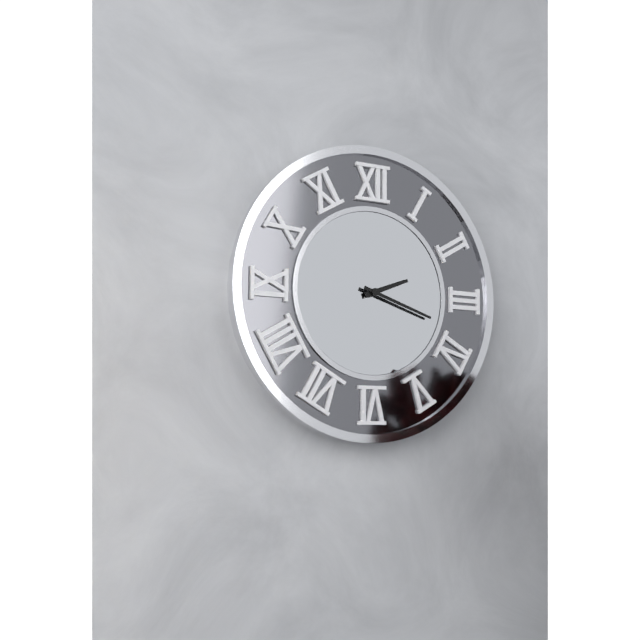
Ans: {"hour": 2, "minute": 18}
